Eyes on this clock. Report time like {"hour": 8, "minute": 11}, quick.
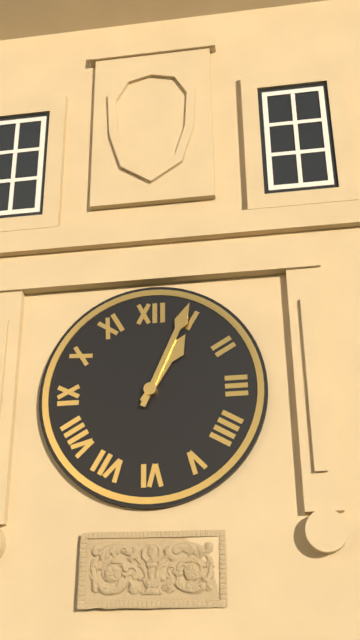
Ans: {"hour": 1, "minute": 4}
